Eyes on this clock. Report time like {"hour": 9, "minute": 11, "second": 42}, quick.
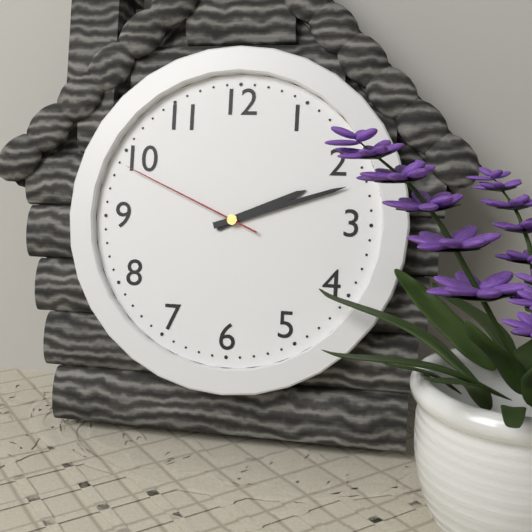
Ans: {"hour": 2, "minute": 12, "second": 49}
